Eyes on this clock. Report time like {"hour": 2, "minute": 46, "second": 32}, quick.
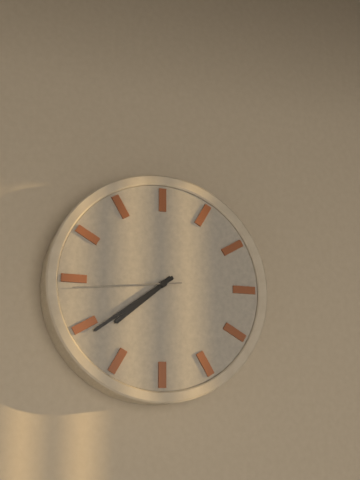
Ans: {"hour": 7, "minute": 39, "second": 44}
